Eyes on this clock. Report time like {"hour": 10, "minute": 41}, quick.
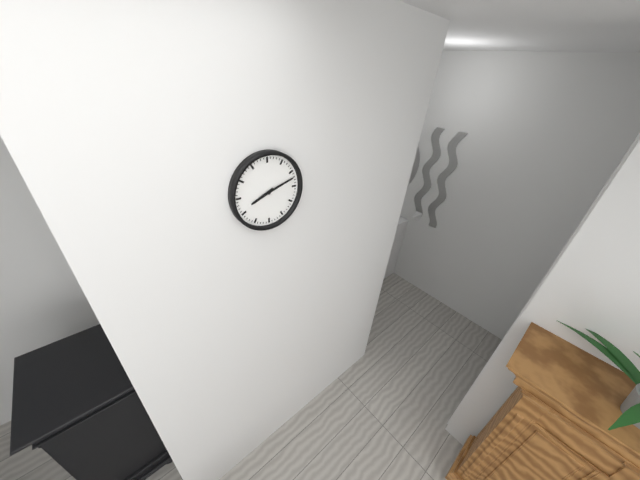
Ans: {"hour": 8, "minute": 12}
